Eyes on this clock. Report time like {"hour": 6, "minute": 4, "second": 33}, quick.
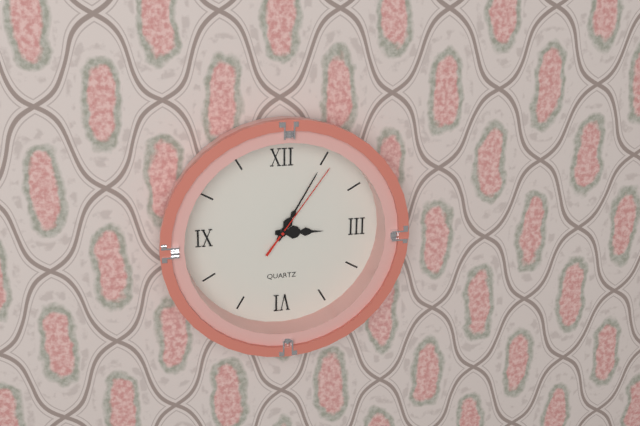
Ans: {"hour": 3, "minute": 5, "second": 6}
